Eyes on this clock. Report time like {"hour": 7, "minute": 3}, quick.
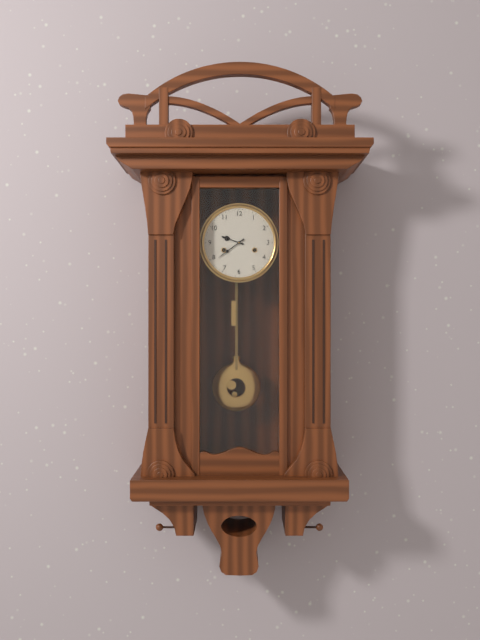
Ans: {"hour": 9, "minute": 39}
